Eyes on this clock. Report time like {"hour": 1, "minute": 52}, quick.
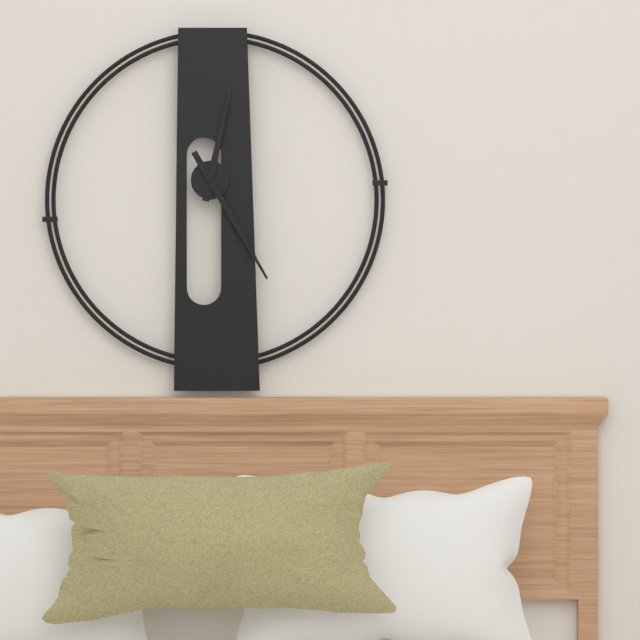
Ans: {"hour": 12, "minute": 25}
